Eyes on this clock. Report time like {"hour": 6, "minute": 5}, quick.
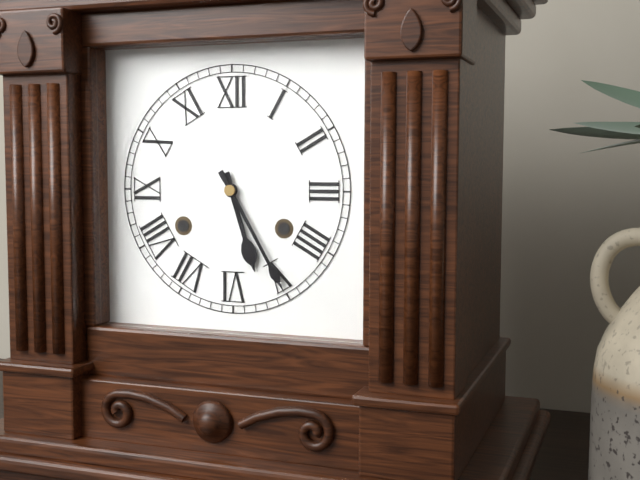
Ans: {"hour": 5, "minute": 25}
